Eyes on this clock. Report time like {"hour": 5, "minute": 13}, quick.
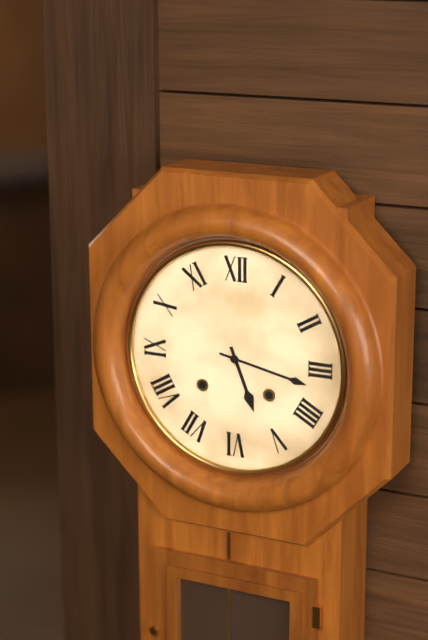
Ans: {"hour": 5, "minute": 17}
